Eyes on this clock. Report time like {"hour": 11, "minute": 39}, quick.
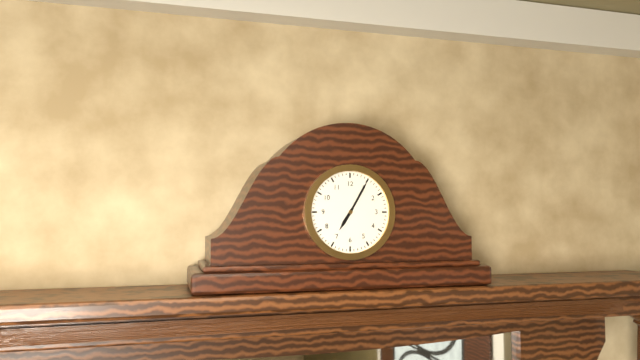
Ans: {"hour": 7, "minute": 5}
